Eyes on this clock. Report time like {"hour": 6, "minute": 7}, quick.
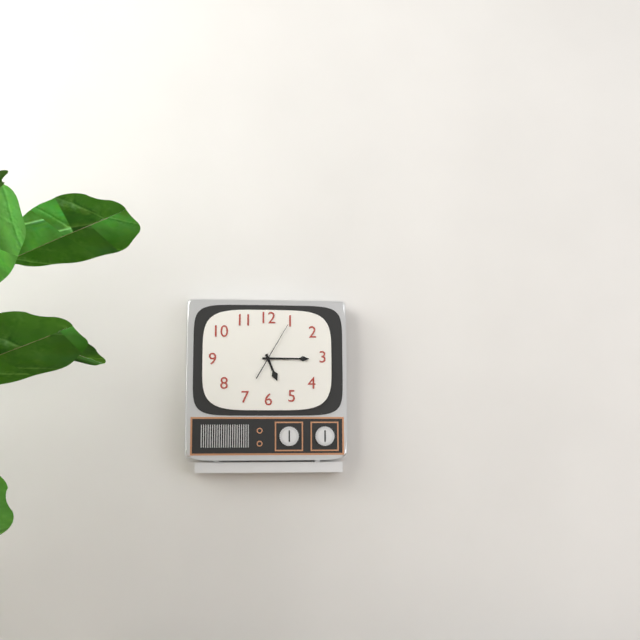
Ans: {"hour": 5, "minute": 15}
